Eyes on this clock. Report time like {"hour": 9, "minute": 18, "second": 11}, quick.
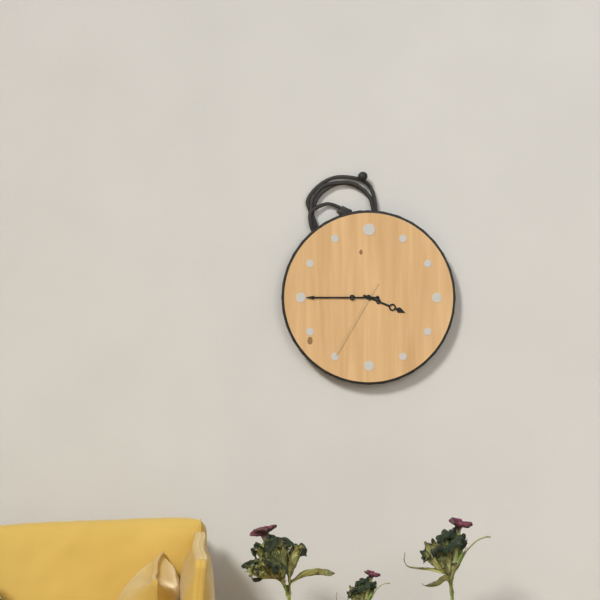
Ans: {"hour": 3, "minute": 45, "second": 35}
